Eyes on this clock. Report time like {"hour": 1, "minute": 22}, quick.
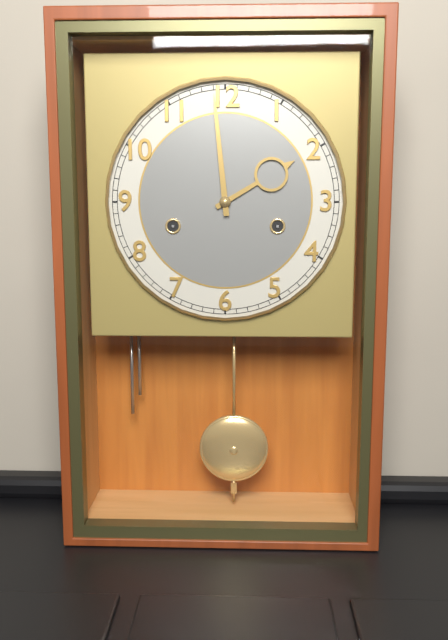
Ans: {"hour": 1, "minute": 59}
